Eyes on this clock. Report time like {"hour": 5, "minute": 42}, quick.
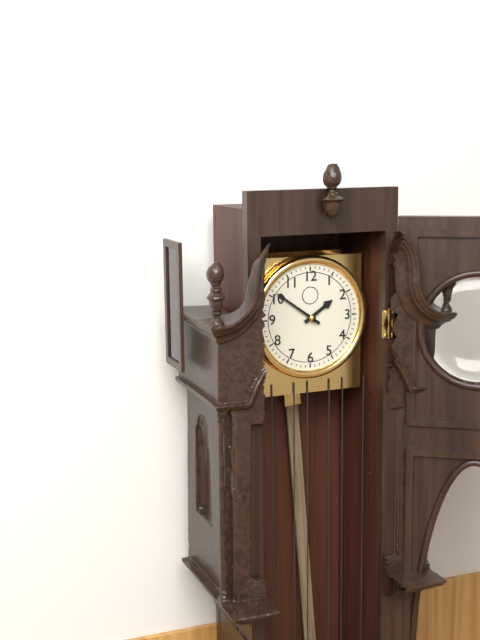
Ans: {"hour": 1, "minute": 51}
